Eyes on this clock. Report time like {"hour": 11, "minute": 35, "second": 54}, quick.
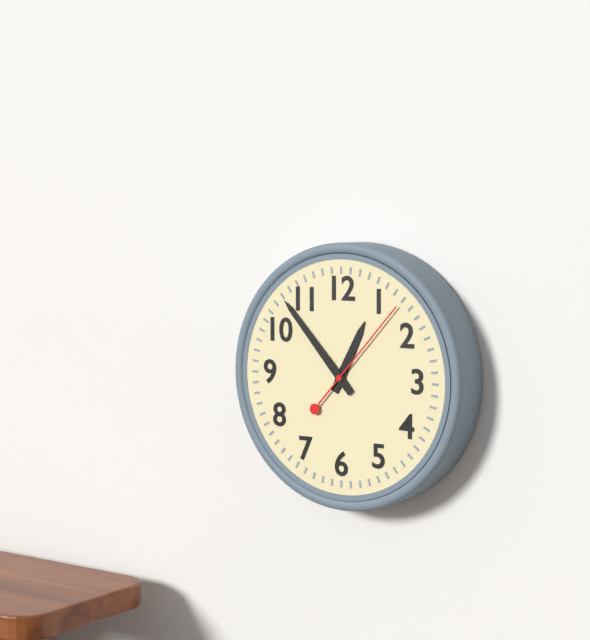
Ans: {"hour": 12, "minute": 53, "second": 7}
